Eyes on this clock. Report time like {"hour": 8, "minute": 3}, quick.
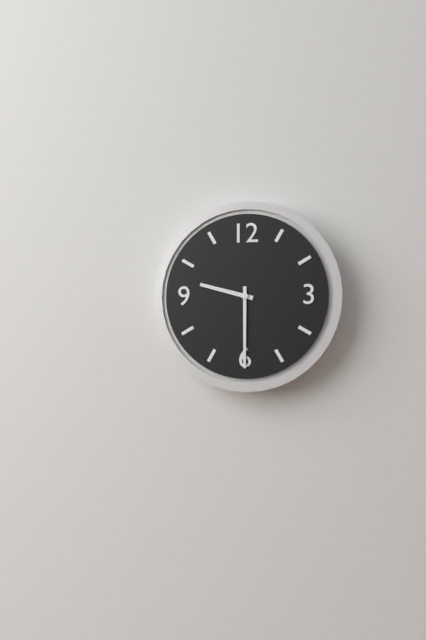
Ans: {"hour": 9, "minute": 30}
